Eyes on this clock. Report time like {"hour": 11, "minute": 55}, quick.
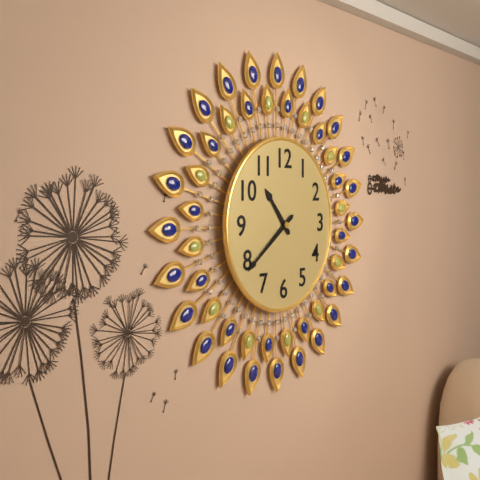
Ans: {"hour": 10, "minute": 39}
